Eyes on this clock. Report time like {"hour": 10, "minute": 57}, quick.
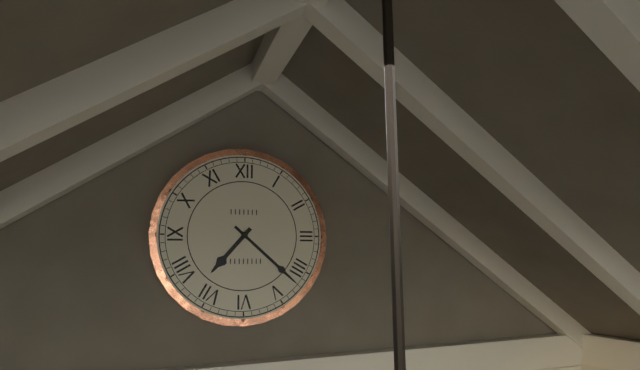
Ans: {"hour": 7, "minute": 22}
